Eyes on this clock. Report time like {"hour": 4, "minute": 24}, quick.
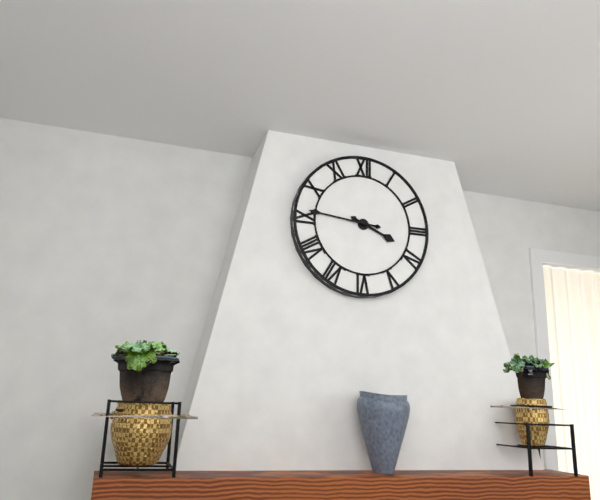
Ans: {"hour": 3, "minute": 46}
